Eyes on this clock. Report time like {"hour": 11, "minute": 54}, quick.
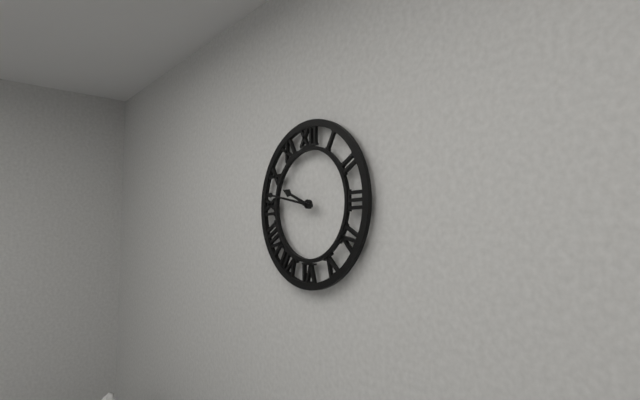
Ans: {"hour": 9, "minute": 47}
